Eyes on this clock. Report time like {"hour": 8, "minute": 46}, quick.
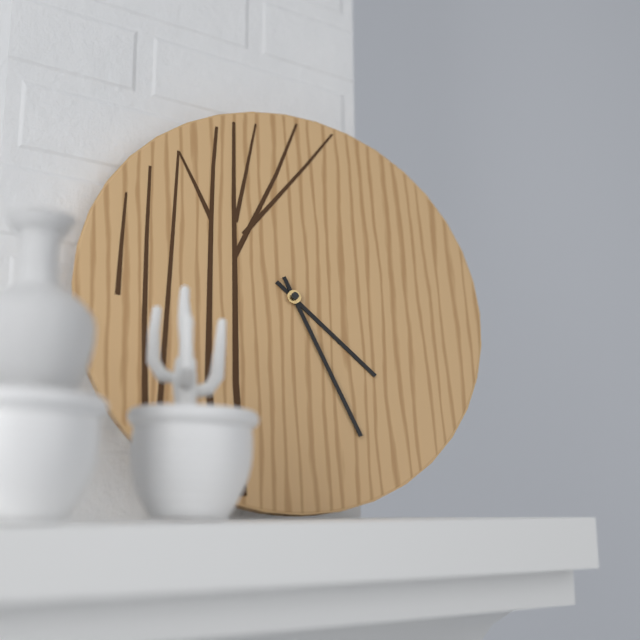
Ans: {"hour": 4, "minute": 26}
